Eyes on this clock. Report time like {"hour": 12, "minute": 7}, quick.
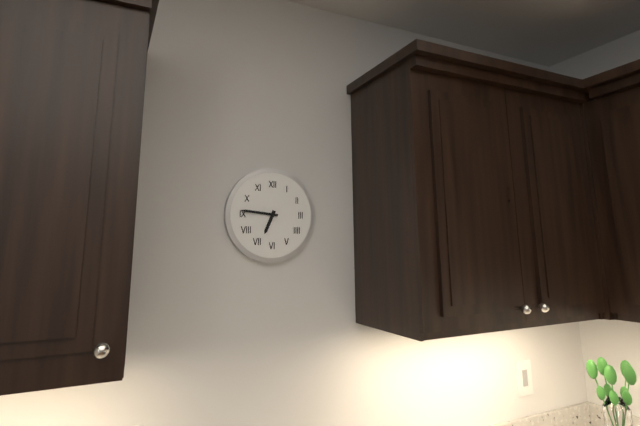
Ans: {"hour": 6, "minute": 46}
